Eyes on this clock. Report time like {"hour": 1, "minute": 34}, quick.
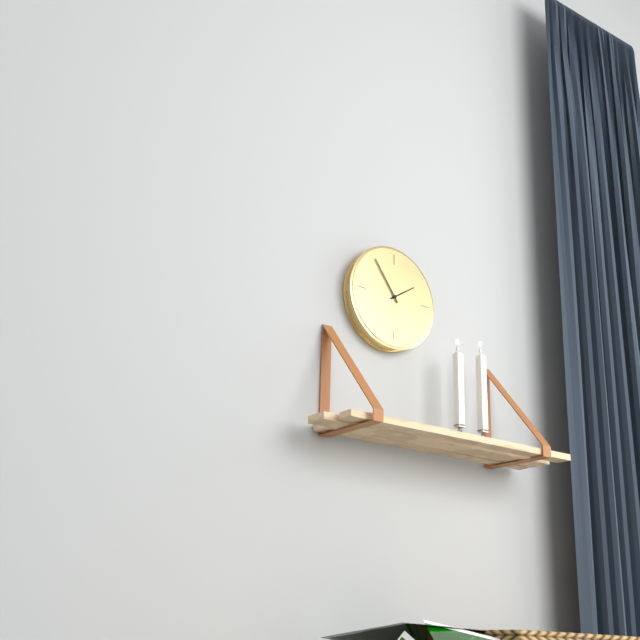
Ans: {"hour": 1, "minute": 54}
